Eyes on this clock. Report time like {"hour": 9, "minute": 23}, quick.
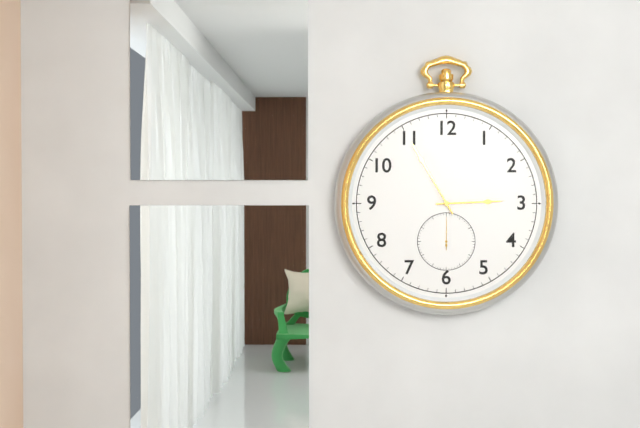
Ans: {"hour": 2, "minute": 55}
